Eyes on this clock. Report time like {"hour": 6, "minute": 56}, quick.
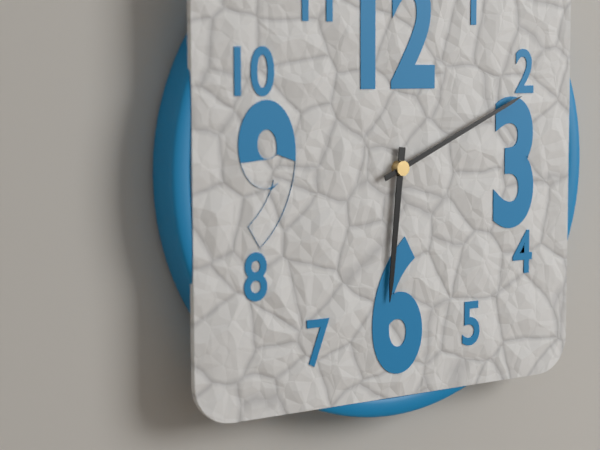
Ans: {"hour": 6, "minute": 11}
